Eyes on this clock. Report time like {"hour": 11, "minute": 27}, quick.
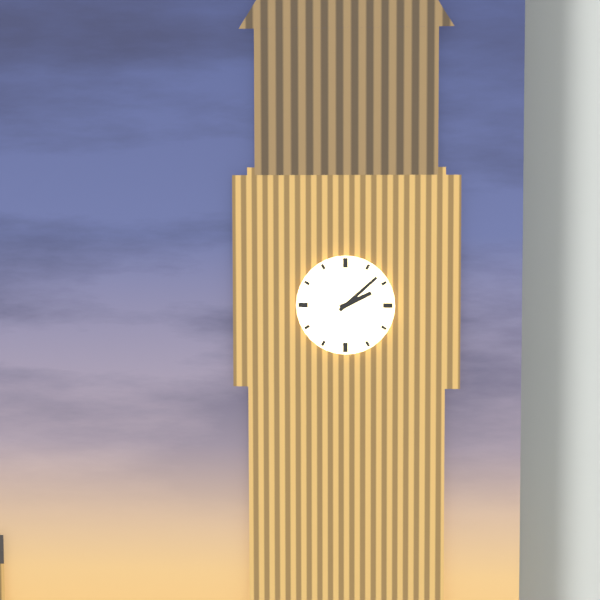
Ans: {"hour": 2, "minute": 8}
